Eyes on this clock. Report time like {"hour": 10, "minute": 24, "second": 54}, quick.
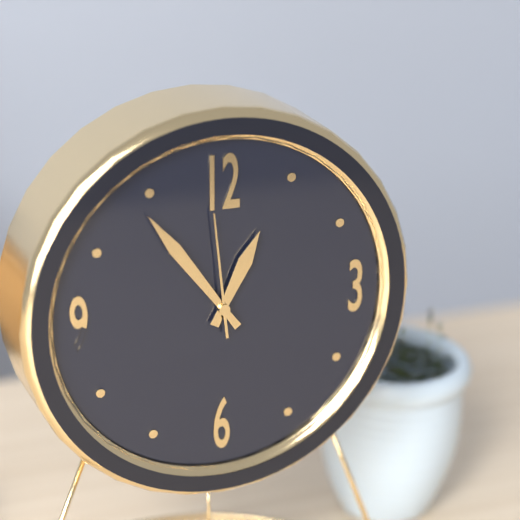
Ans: {"hour": 12, "minute": 54, "second": 59}
